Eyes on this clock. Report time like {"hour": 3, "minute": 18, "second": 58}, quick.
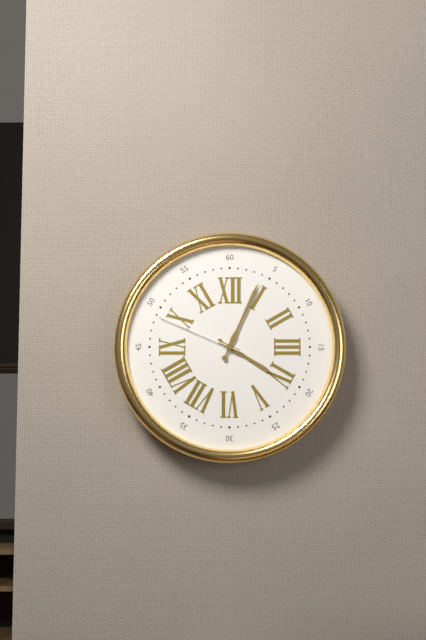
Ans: {"hour": 4, "minute": 4, "second": 49}
